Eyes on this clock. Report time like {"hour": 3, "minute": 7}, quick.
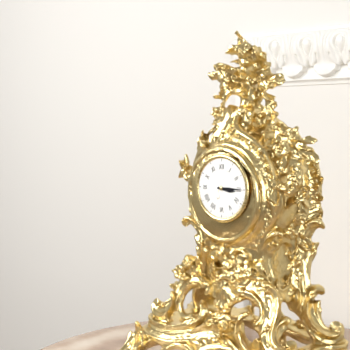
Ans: {"hour": 3, "minute": 15}
